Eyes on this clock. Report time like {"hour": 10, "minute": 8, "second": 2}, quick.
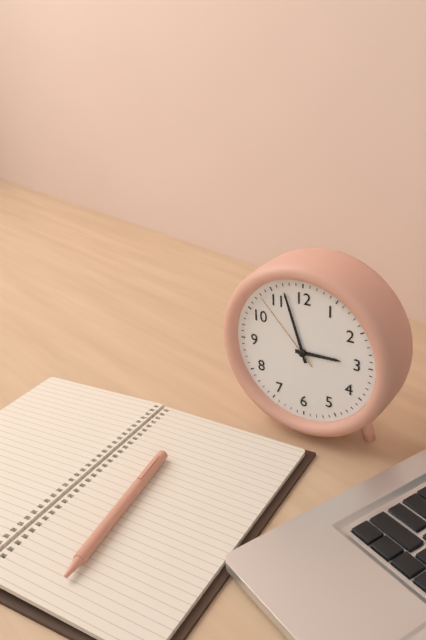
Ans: {"hour": 2, "minute": 57, "second": 53}
